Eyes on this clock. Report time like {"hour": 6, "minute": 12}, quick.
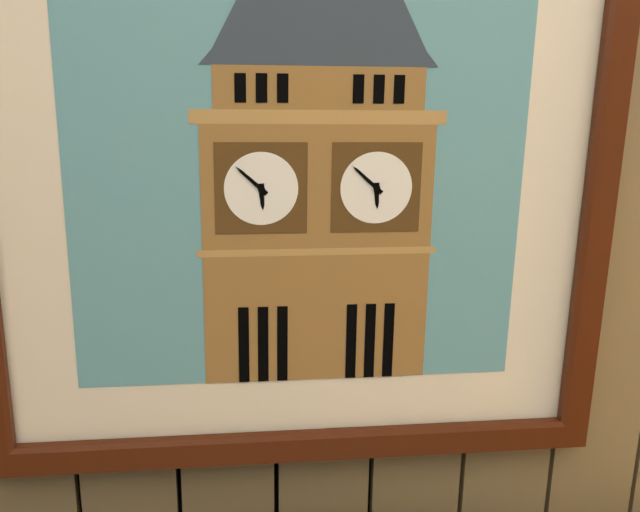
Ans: {"hour": 5, "minute": 52}
